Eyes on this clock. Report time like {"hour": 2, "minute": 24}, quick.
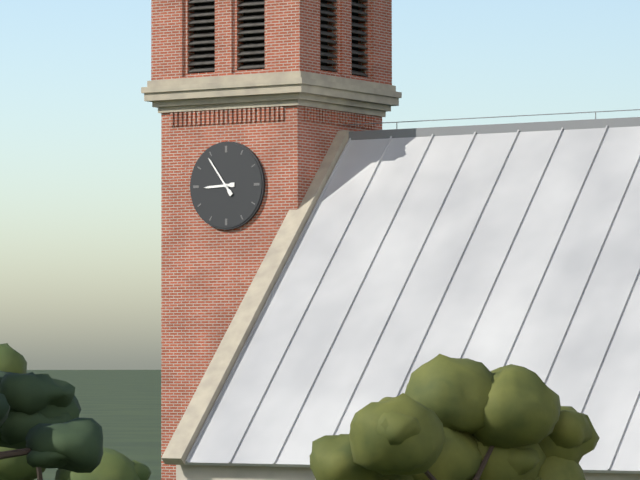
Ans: {"hour": 8, "minute": 54}
